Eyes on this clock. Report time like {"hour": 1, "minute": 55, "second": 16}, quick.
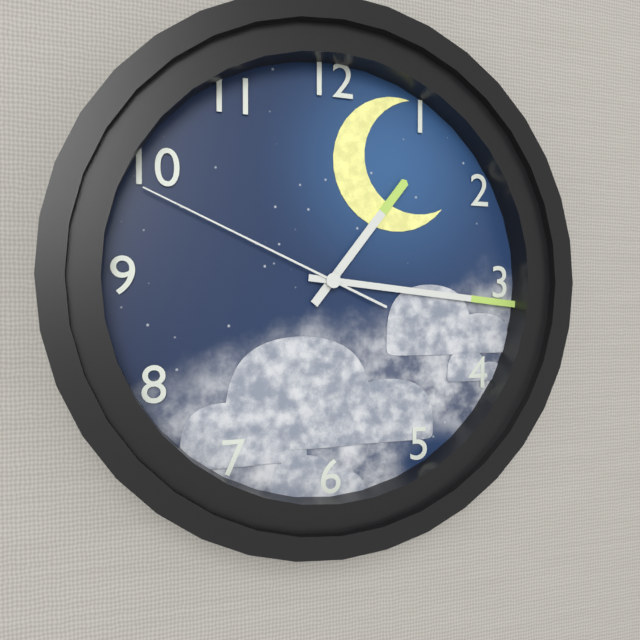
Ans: {"hour": 1, "minute": 16, "second": 49}
